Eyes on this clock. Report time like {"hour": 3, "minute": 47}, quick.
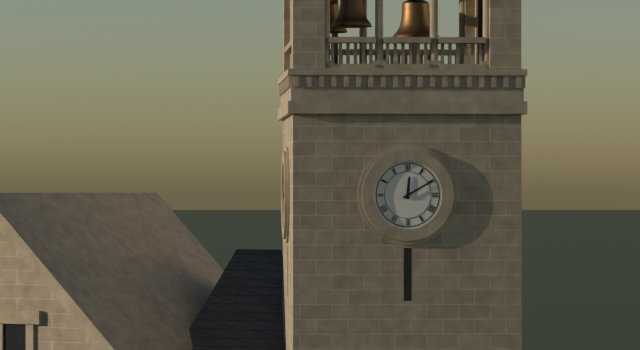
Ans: {"hour": 12, "minute": 10}
